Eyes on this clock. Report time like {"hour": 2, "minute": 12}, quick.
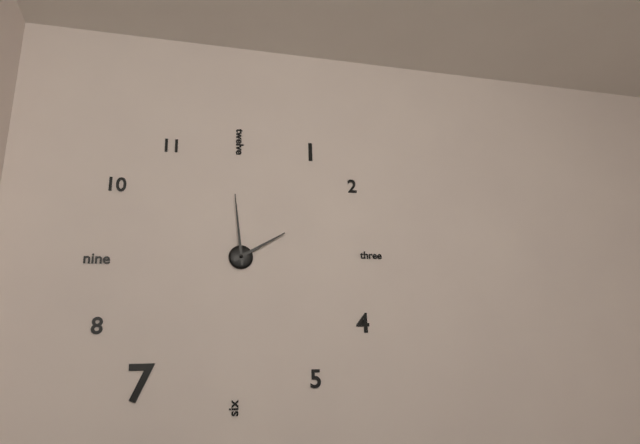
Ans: {"hour": 1, "minute": 59}
